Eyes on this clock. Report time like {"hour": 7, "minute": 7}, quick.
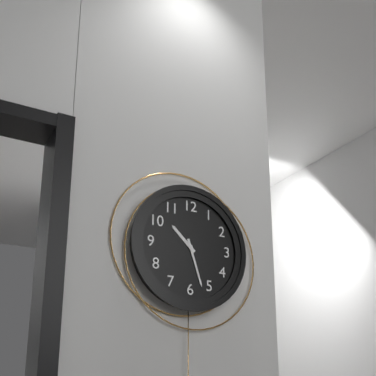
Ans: {"hour": 10, "minute": 27}
